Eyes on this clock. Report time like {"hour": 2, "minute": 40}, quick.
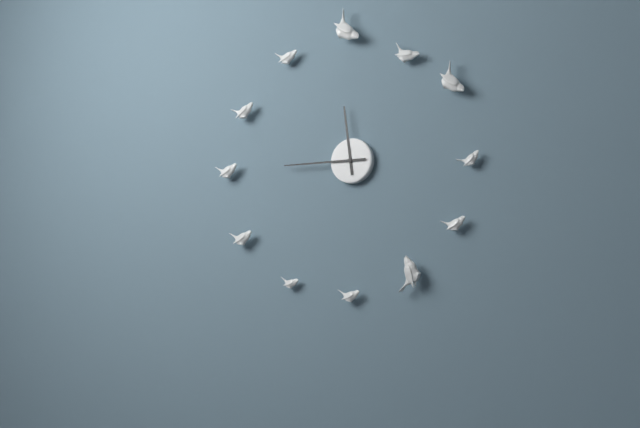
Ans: {"hour": 11, "minute": 45}
